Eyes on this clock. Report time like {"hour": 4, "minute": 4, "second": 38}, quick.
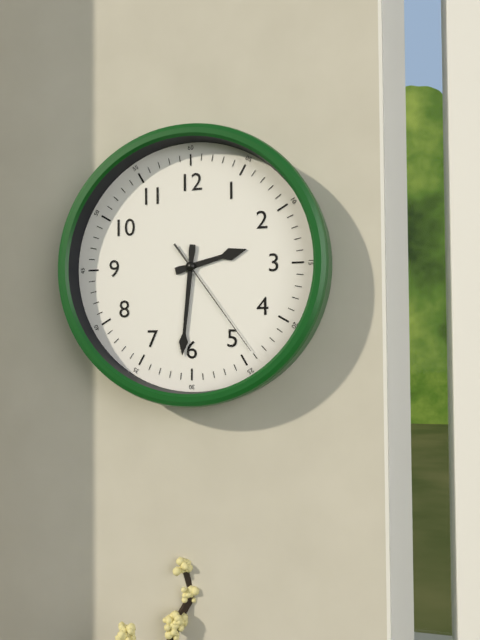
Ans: {"hour": 2, "minute": 31, "second": 24}
